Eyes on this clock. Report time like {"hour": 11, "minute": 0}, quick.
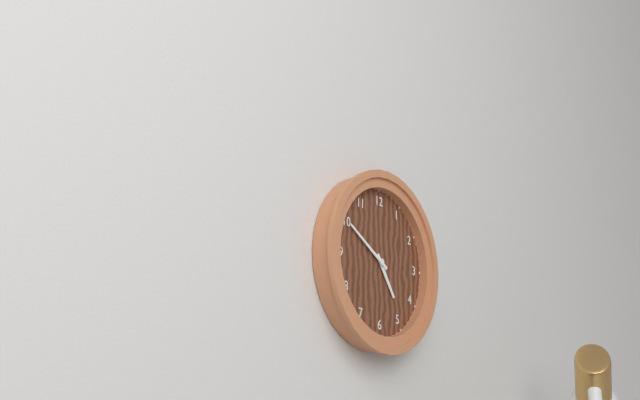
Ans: {"hour": 4, "minute": 50}
